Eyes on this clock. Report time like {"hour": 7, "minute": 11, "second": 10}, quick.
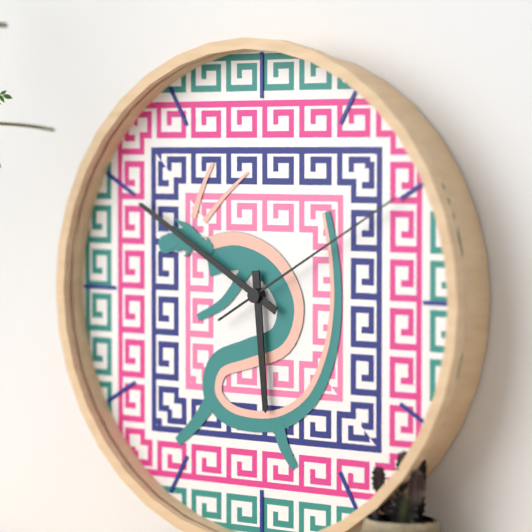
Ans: {"hour": 5, "minute": 50, "second": 10}
